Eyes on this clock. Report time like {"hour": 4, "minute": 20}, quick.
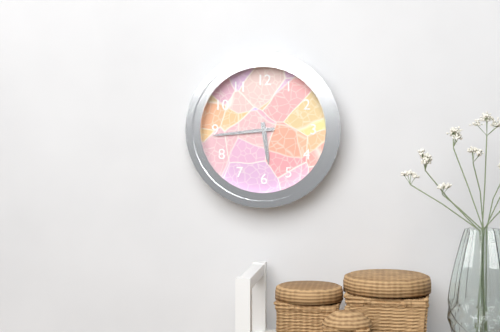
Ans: {"hour": 5, "minute": 44}
